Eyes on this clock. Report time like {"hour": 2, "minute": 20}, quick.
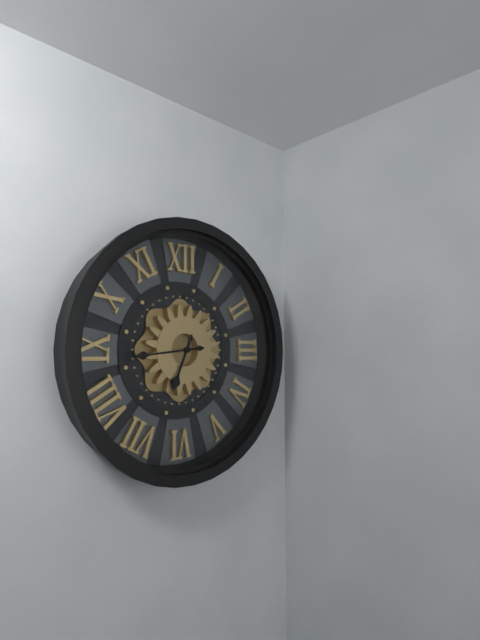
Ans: {"hour": 6, "minute": 44}
